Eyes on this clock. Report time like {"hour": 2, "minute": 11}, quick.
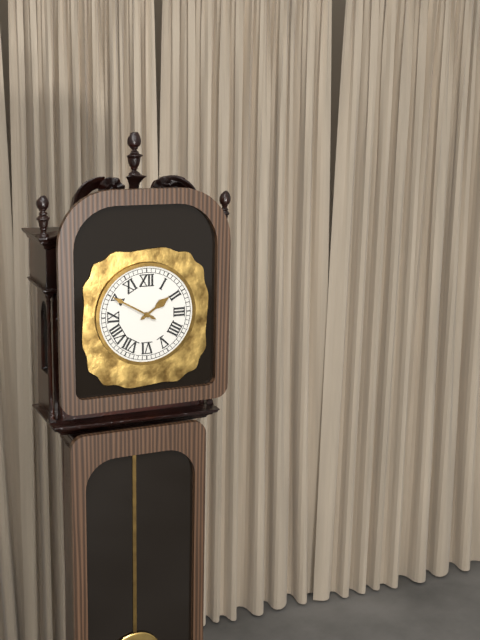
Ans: {"hour": 1, "minute": 50}
